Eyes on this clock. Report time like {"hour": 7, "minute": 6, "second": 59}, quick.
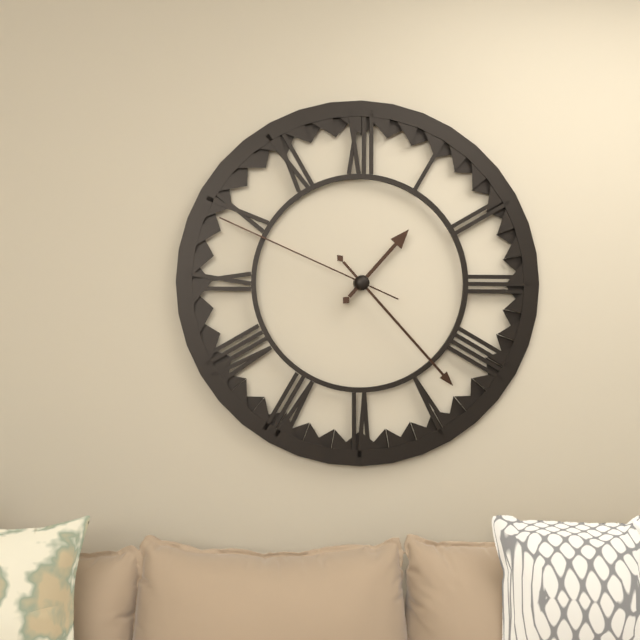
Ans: {"hour": 1, "minute": 23, "second": 49}
